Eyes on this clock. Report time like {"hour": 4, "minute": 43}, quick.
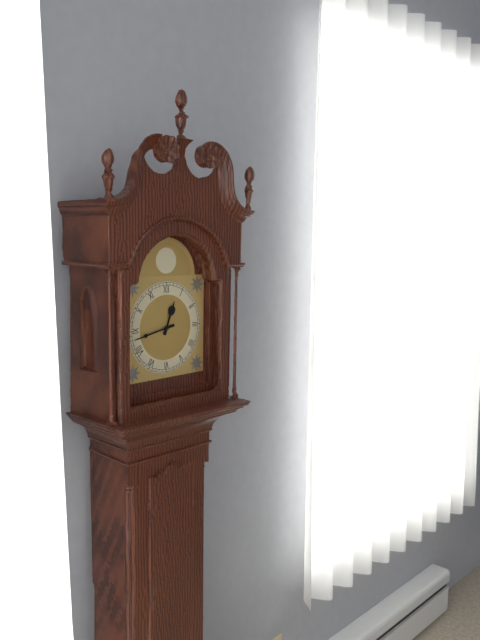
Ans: {"hour": 12, "minute": 43}
